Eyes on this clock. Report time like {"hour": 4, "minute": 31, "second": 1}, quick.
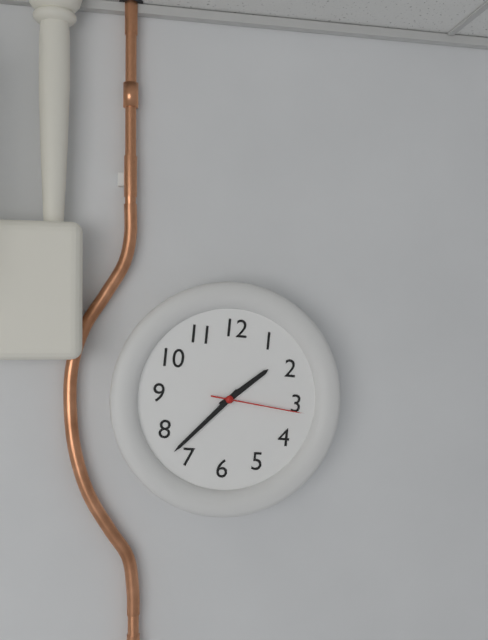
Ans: {"hour": 1, "minute": 37, "second": 16}
